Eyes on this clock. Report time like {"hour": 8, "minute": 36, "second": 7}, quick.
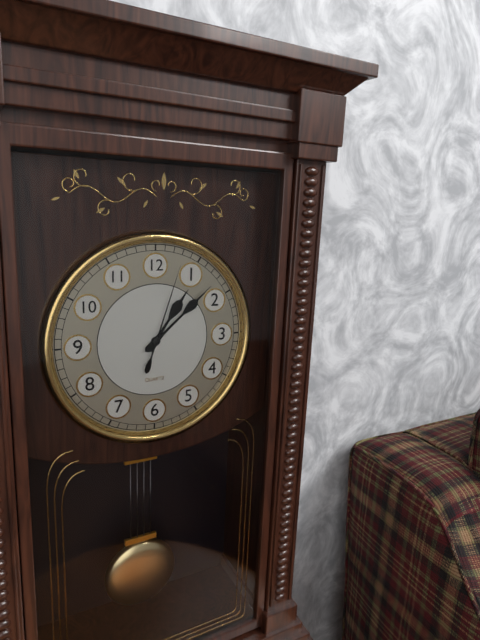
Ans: {"hour": 1, "minute": 8, "second": 3}
